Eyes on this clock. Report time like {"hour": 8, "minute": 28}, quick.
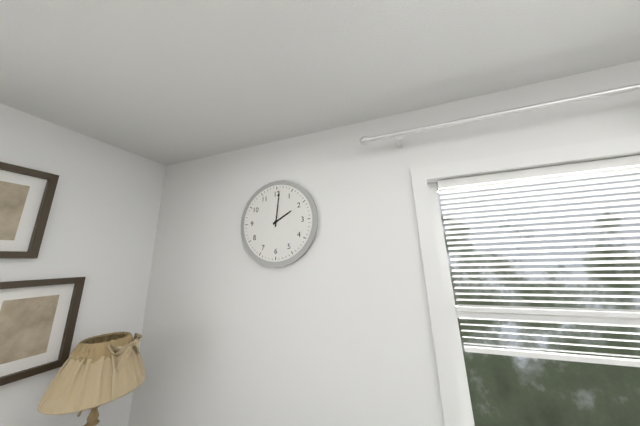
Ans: {"hour": 2, "minute": 1}
